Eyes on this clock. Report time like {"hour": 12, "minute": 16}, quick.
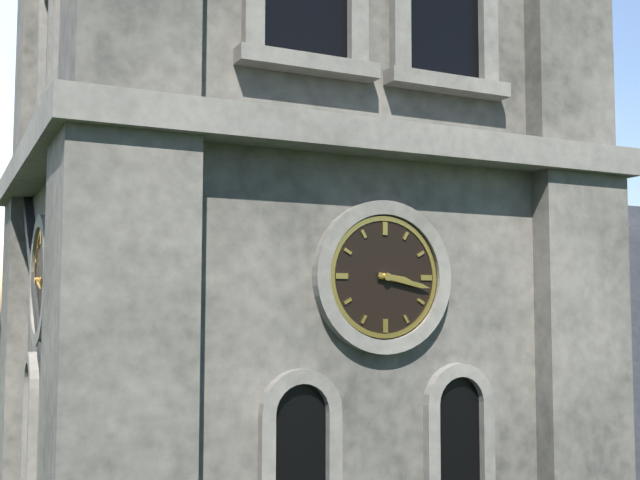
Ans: {"hour": 3, "minute": 17}
